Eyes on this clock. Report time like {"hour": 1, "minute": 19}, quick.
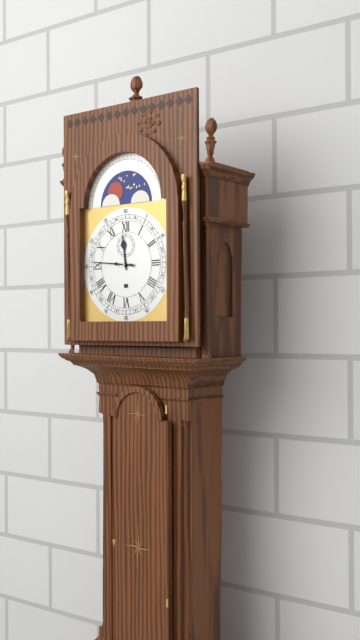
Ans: {"hour": 11, "minute": 46}
